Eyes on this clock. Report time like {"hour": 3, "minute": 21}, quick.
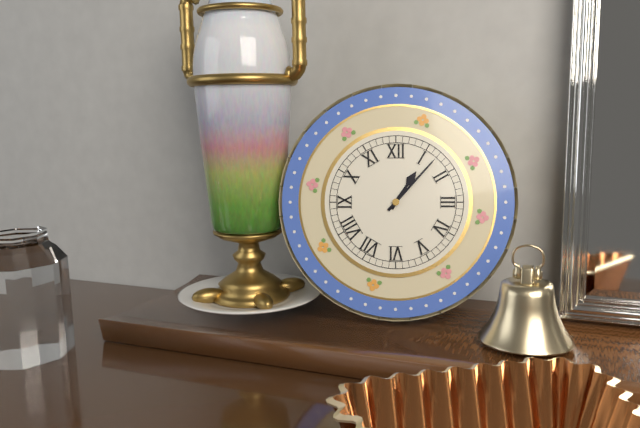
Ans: {"hour": 1, "minute": 7}
